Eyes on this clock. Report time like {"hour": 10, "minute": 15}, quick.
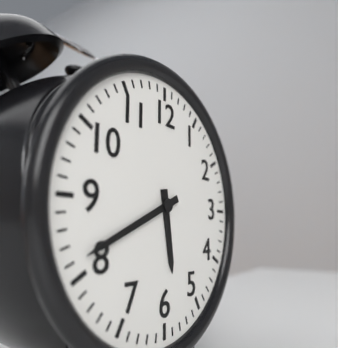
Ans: {"hour": 5, "minute": 41}
